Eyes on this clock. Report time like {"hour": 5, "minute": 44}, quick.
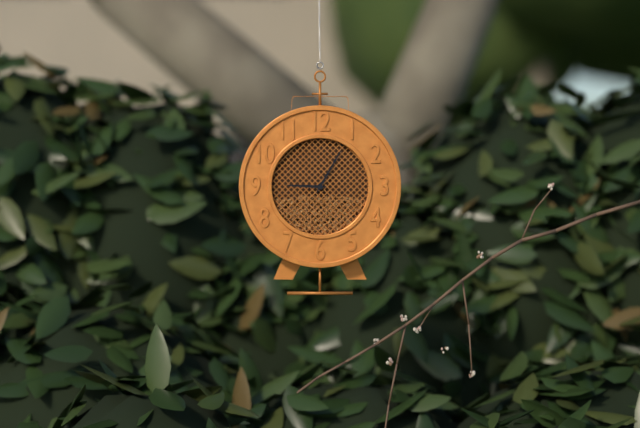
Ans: {"hour": 9, "minute": 5}
